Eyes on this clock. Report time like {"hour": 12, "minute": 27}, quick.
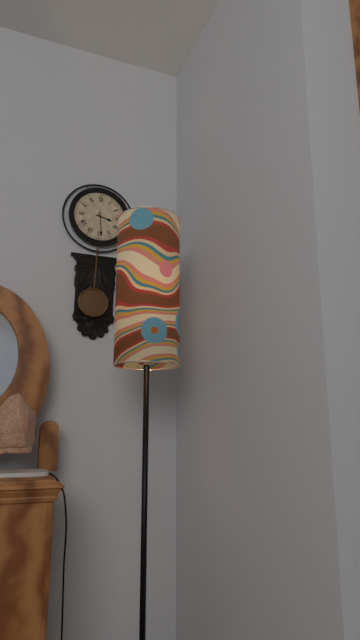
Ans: {"hour": 3, "minute": 29}
